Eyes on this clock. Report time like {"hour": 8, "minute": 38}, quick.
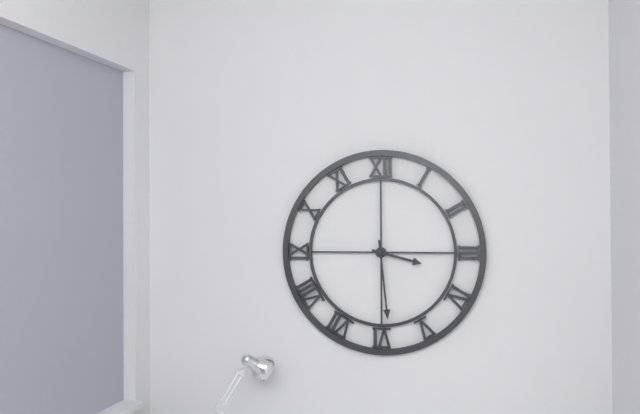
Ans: {"hour": 3, "minute": 29}
